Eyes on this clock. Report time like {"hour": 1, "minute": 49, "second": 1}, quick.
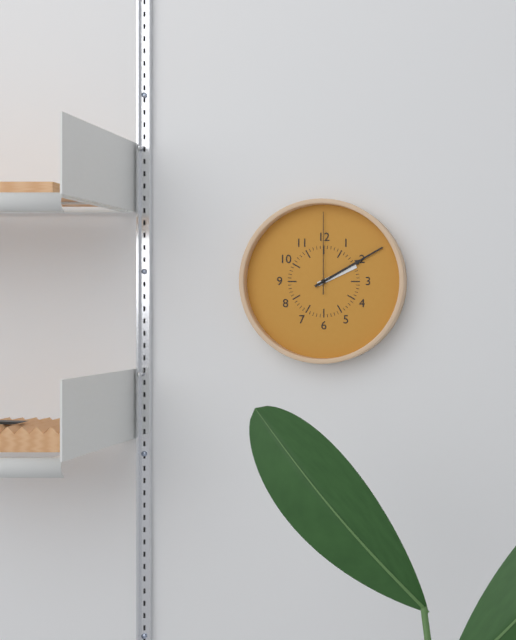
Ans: {"hour": 2, "minute": 10, "second": 0}
